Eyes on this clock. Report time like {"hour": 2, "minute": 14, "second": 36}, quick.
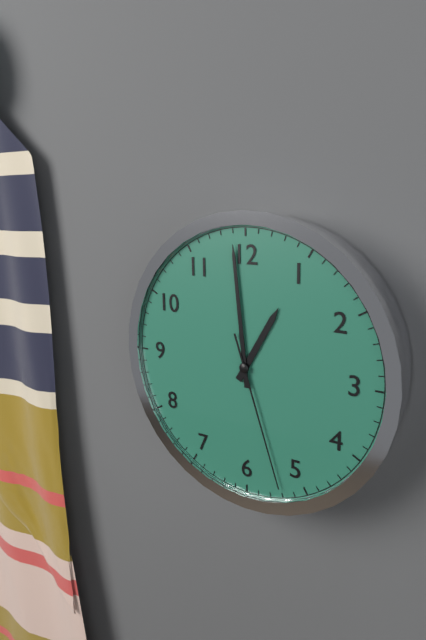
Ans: {"hour": 12, "minute": 59, "second": 27}
